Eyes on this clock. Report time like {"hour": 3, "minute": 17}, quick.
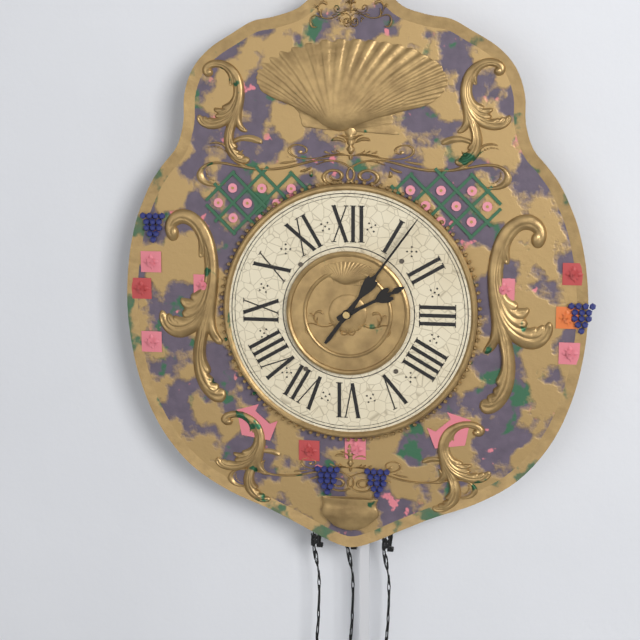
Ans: {"hour": 2, "minute": 6}
